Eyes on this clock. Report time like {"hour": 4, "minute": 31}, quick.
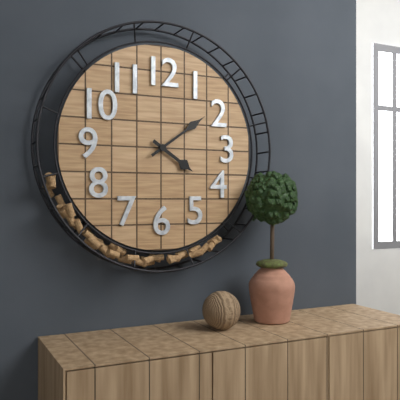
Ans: {"hour": 4, "minute": 9}
